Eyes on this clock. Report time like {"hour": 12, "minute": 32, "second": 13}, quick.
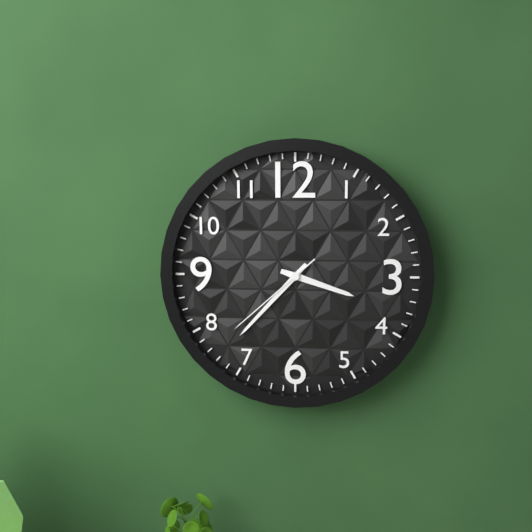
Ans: {"hour": 3, "minute": 37, "second": 38}
